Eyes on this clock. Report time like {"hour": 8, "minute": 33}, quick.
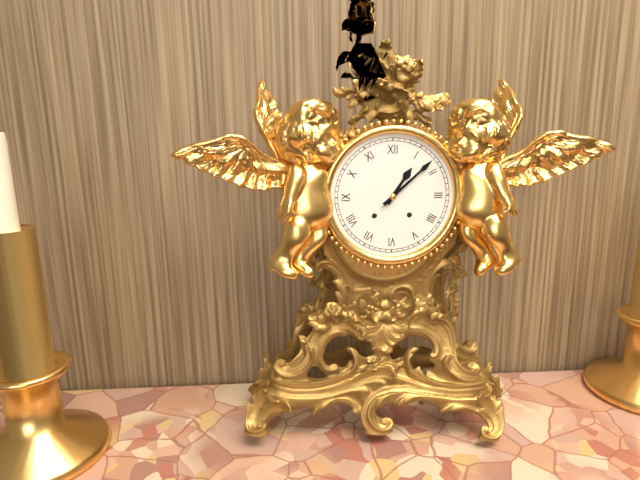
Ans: {"hour": 1, "minute": 8}
